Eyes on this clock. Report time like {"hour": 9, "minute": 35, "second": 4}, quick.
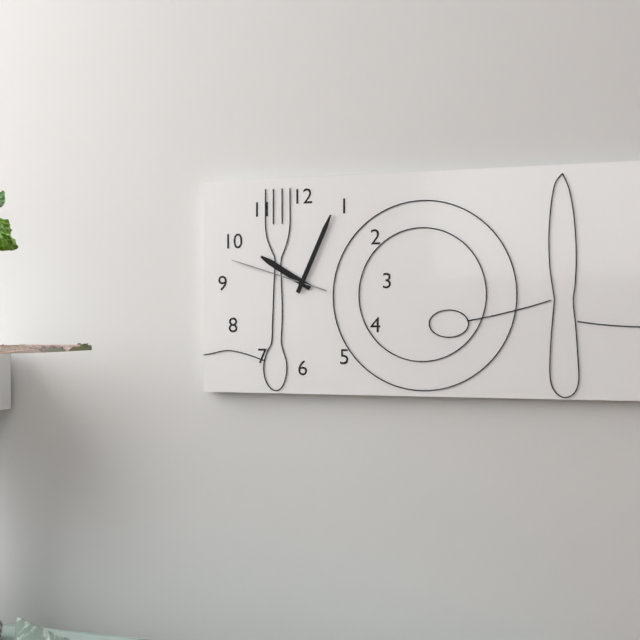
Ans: {"hour": 10, "minute": 4, "second": 48}
